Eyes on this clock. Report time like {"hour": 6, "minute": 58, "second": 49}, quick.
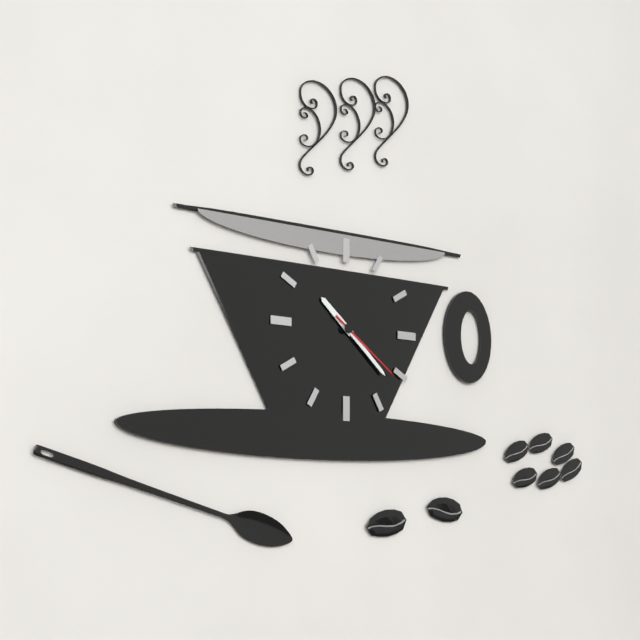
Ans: {"hour": 10, "minute": 22, "second": 21}
